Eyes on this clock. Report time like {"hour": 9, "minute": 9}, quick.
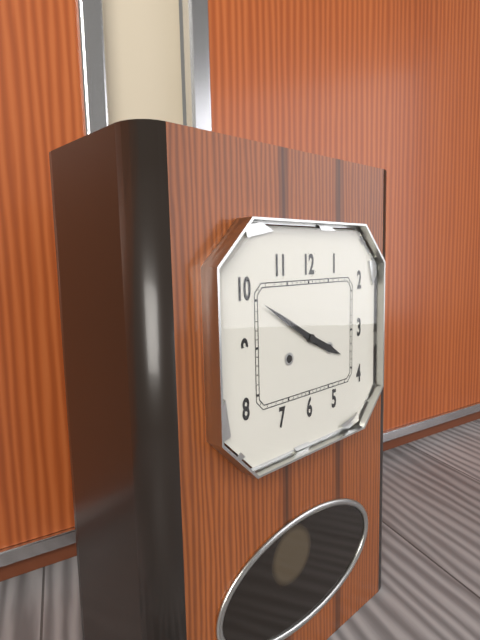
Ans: {"hour": 3, "minute": 50}
